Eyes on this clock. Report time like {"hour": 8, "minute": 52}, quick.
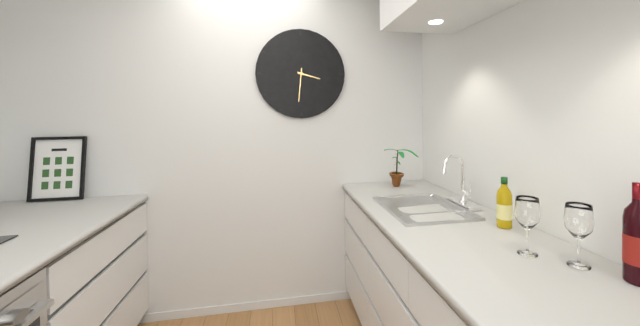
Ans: {"hour": 3, "minute": 31}
